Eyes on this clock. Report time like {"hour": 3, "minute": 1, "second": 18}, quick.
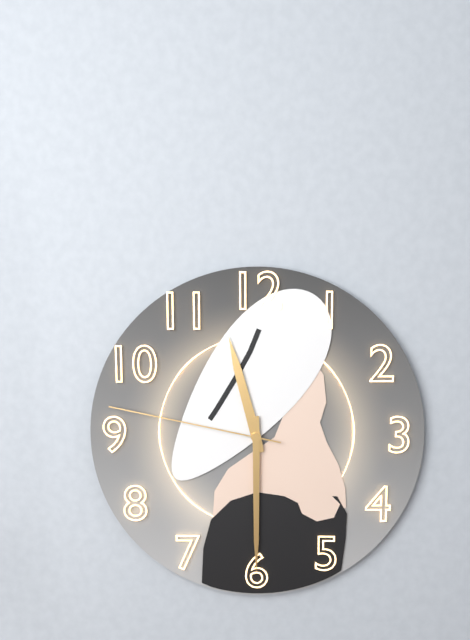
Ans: {"hour": 11, "minute": 30, "second": 47}
